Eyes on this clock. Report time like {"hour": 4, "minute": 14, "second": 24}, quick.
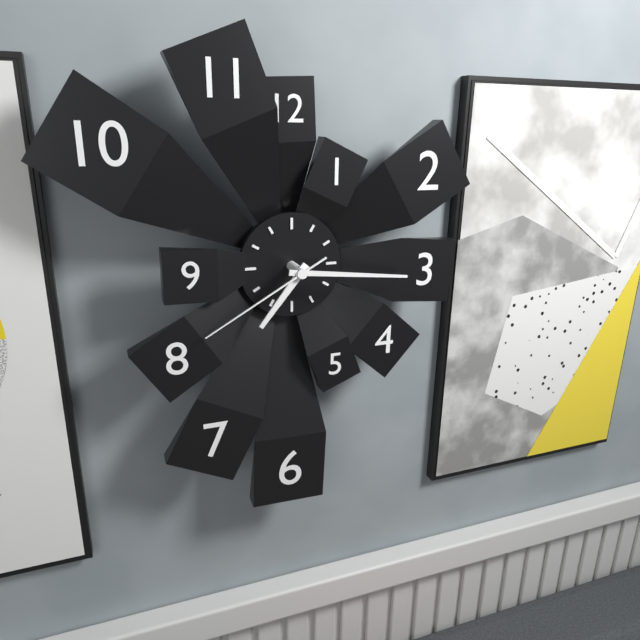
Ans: {"hour": 7, "minute": 16, "second": 40}
